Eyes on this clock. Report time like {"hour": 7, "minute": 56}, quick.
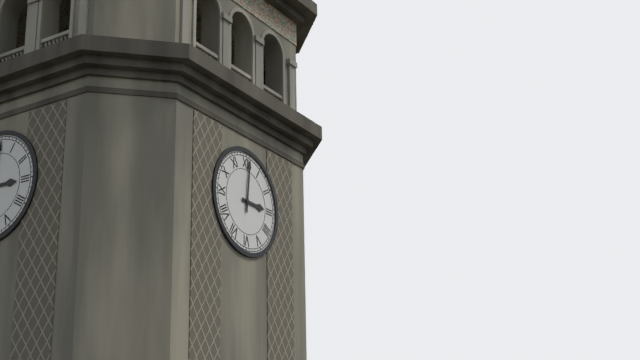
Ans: {"hour": 3, "minute": 1}
